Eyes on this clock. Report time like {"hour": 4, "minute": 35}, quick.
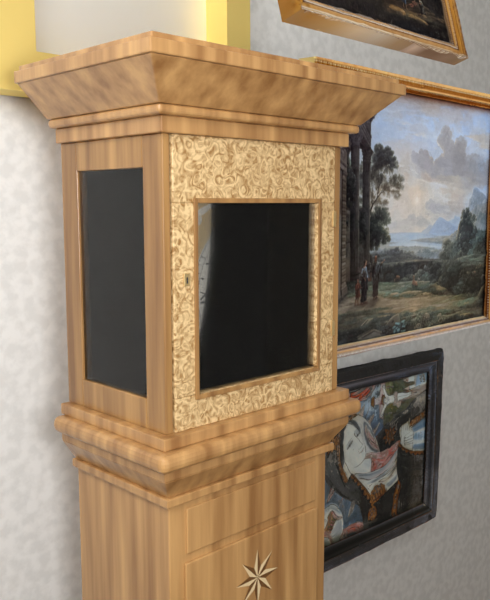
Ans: {"hour": 11, "minute": 6}
